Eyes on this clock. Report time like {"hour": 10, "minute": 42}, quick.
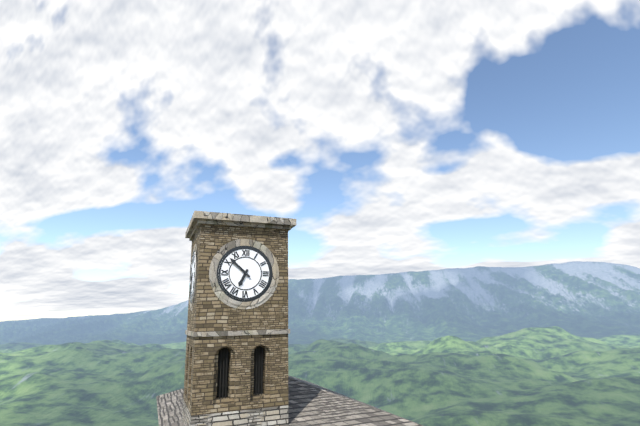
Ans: {"hour": 6, "minute": 52}
